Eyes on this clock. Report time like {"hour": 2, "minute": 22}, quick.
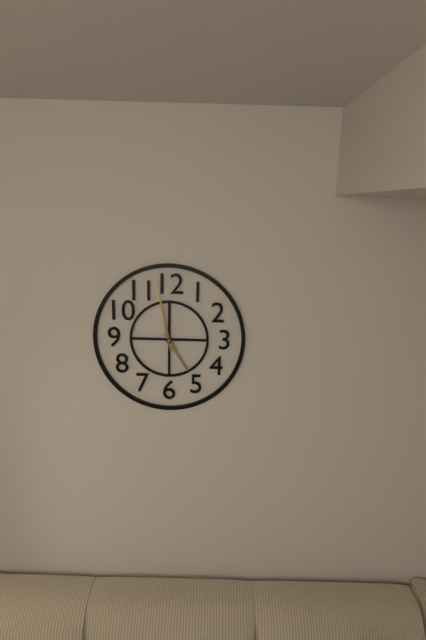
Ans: {"hour": 4, "minute": 58}
